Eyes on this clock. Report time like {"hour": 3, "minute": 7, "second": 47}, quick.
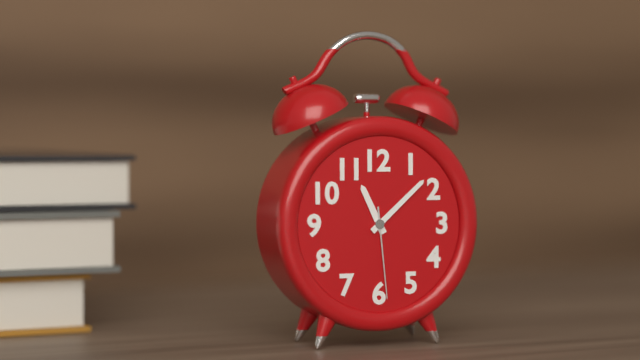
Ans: {"hour": 11, "minute": 8, "second": 29}
